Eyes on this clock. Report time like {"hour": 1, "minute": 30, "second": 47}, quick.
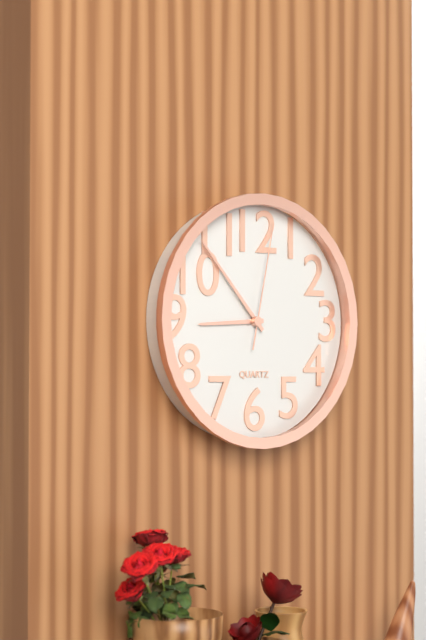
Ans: {"hour": 8, "minute": 53, "second": 2}
